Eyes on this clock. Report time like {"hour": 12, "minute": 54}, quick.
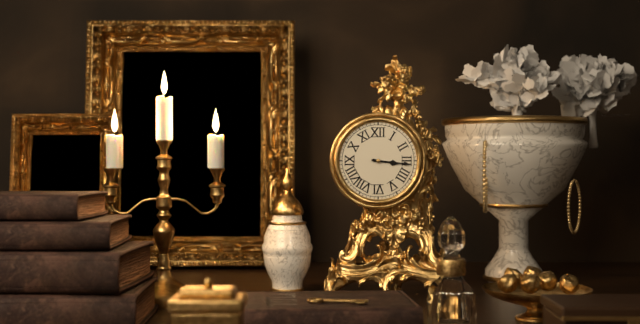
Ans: {"hour": 3, "minute": 16}
